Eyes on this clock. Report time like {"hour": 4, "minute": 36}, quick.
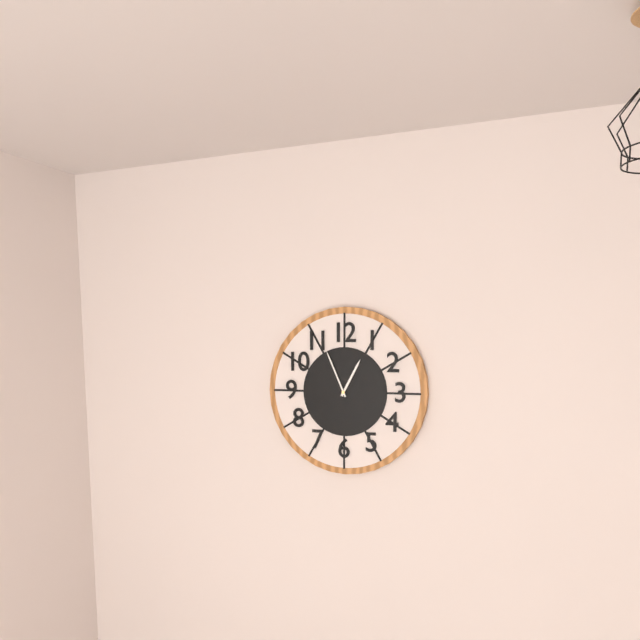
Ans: {"hour": 12, "minute": 56}
